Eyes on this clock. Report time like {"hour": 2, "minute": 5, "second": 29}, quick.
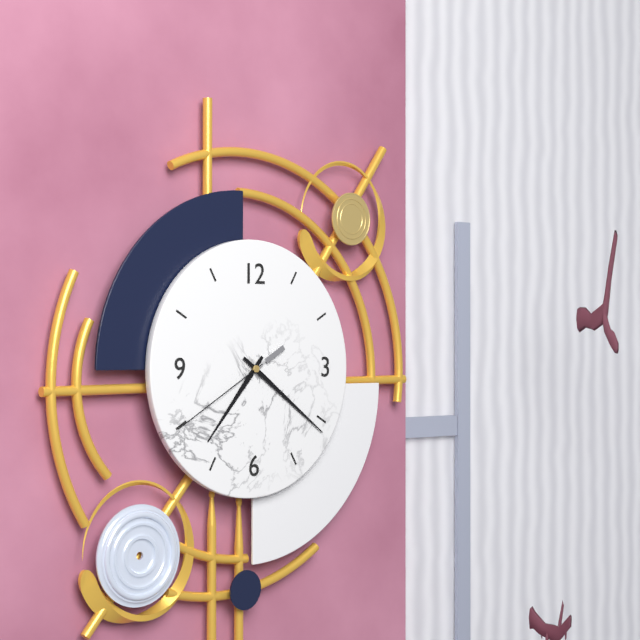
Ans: {"hour": 7, "minute": 21, "second": 40}
